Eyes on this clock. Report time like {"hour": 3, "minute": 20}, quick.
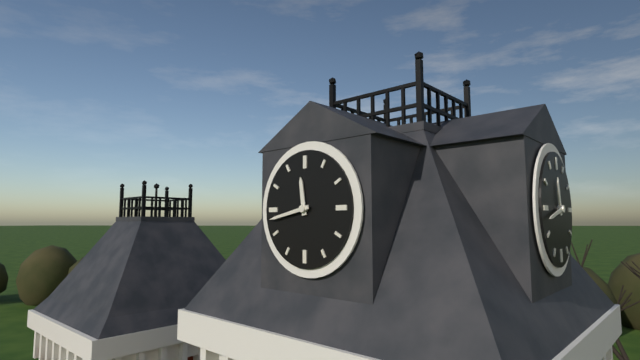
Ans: {"hour": 11, "minute": 43}
